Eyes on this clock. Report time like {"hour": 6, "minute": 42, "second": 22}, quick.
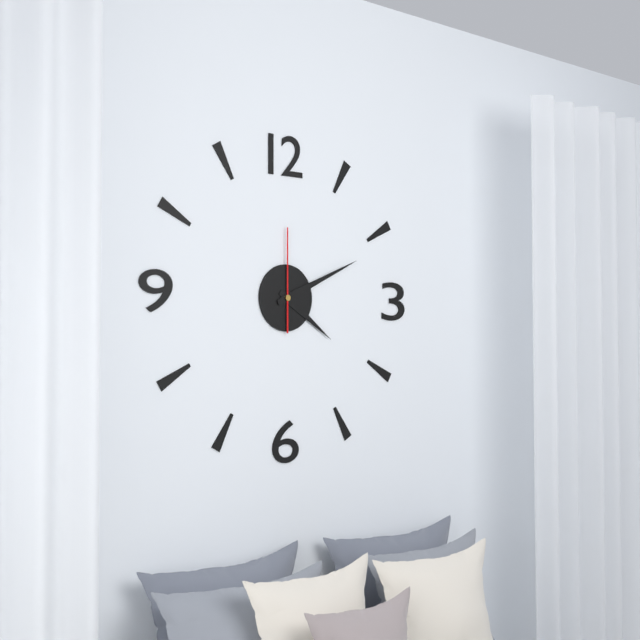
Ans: {"hour": 4, "minute": 11, "second": 0}
